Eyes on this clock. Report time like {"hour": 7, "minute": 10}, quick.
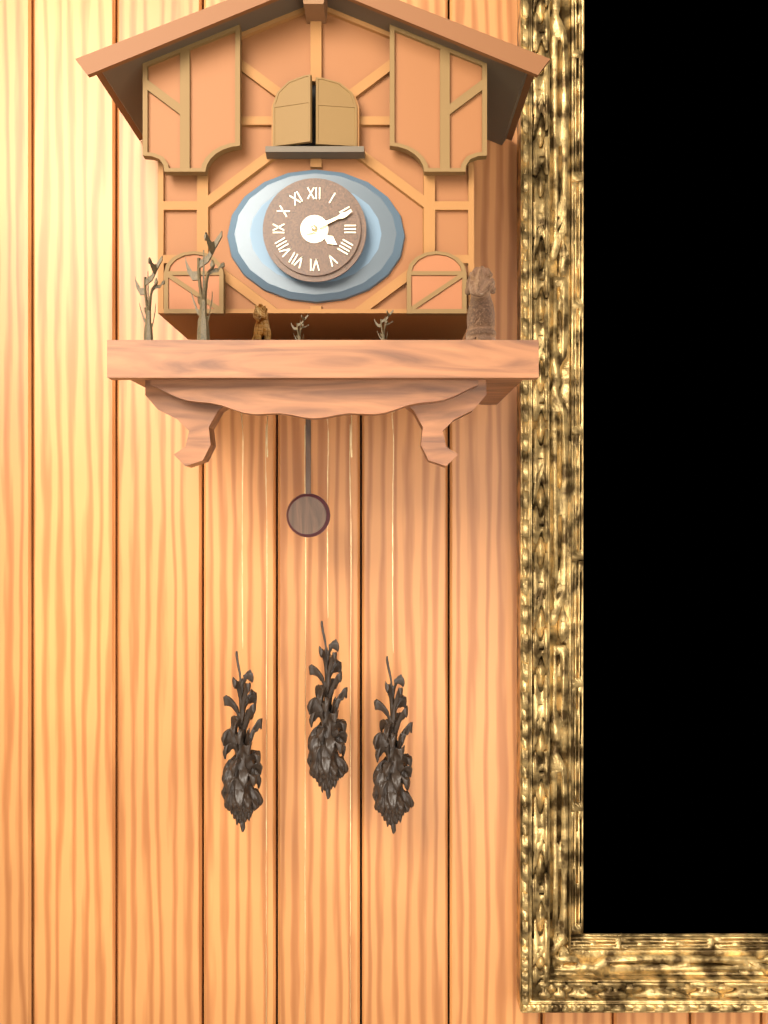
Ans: {"hour": 4, "minute": 11}
